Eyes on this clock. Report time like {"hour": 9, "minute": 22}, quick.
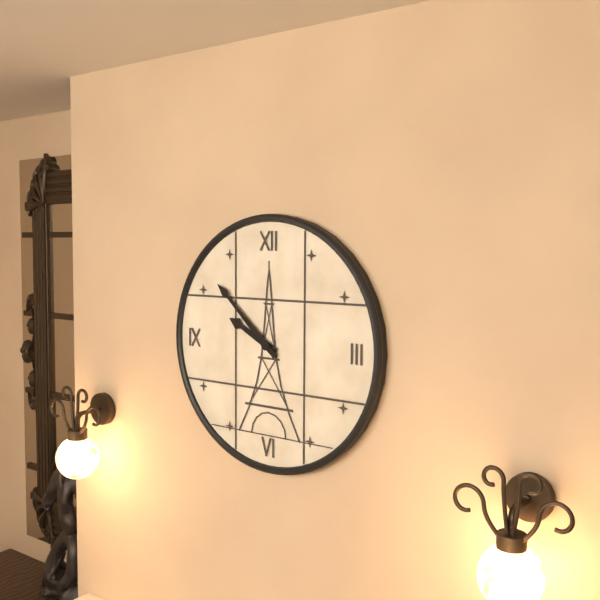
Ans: {"hour": 9, "minute": 52}
